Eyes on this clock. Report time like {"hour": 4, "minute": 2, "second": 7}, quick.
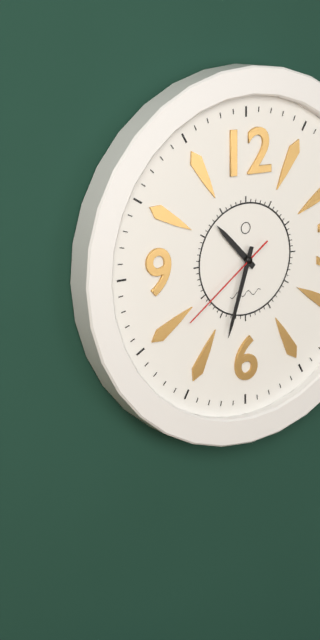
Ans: {"hour": 10, "minute": 33, "second": 39}
